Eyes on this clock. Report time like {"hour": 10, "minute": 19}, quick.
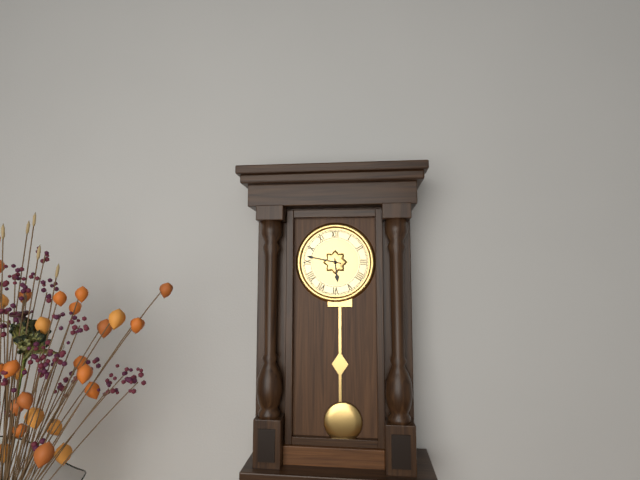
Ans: {"hour": 5, "minute": 47}
